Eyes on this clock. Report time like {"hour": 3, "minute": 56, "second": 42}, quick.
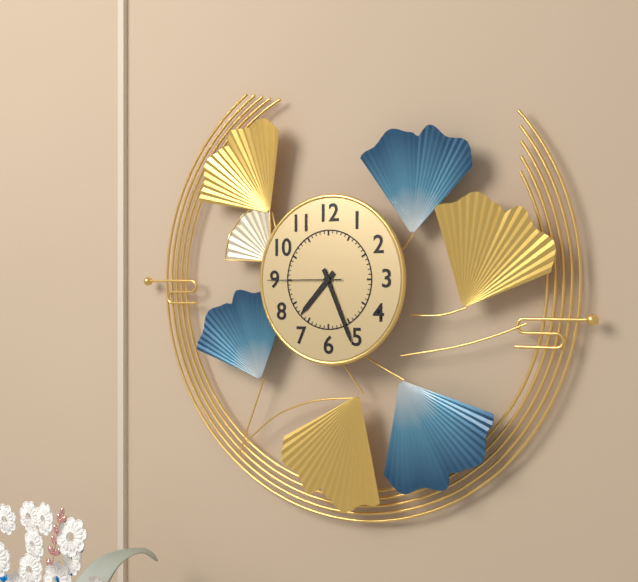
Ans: {"hour": 7, "minute": 26, "second": 45}
